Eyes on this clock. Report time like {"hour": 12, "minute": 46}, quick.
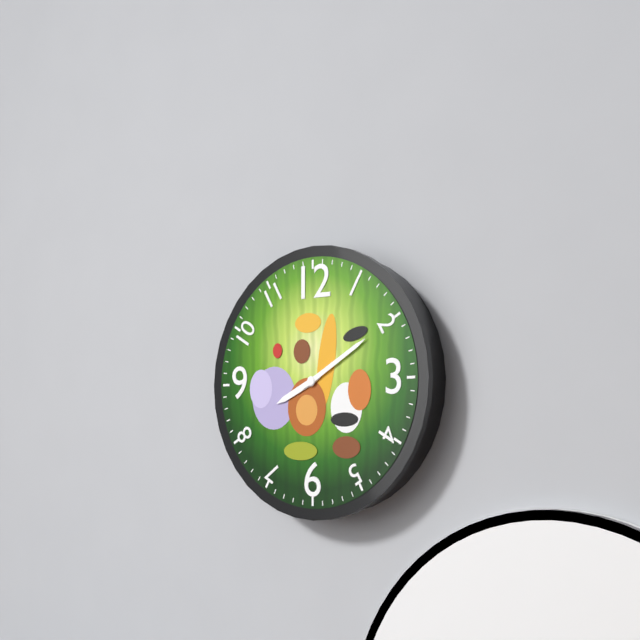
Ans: {"hour": 8, "minute": 10}
